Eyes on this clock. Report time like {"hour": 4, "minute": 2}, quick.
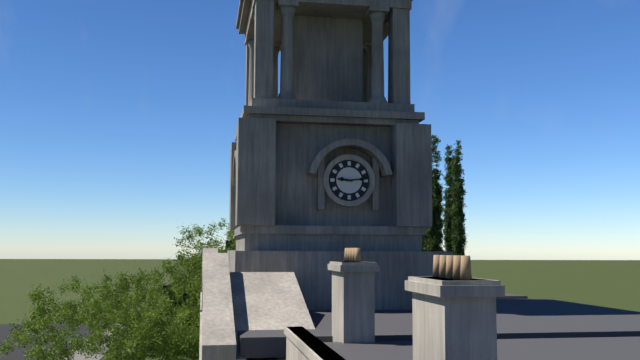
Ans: {"hour": 9, "minute": 14}
